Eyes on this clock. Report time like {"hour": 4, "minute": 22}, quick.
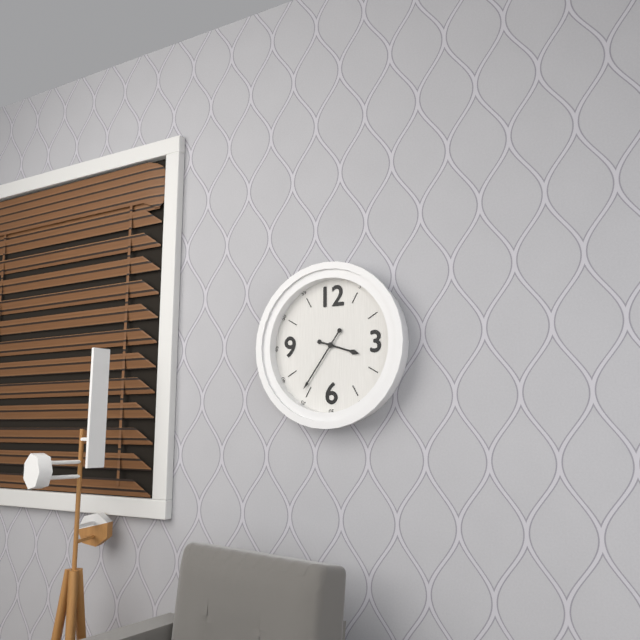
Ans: {"hour": 3, "minute": 36}
